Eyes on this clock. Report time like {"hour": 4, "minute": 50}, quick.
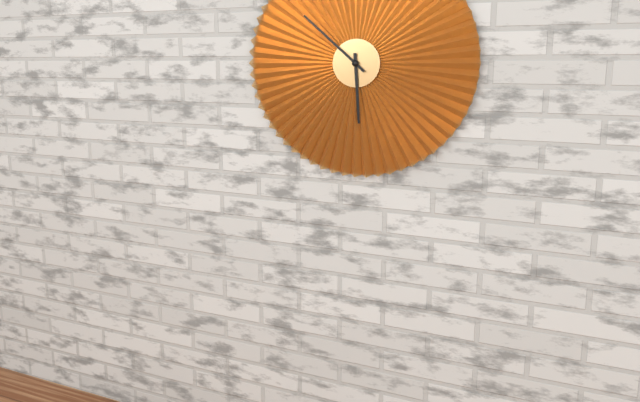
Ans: {"hour": 5, "minute": 52}
